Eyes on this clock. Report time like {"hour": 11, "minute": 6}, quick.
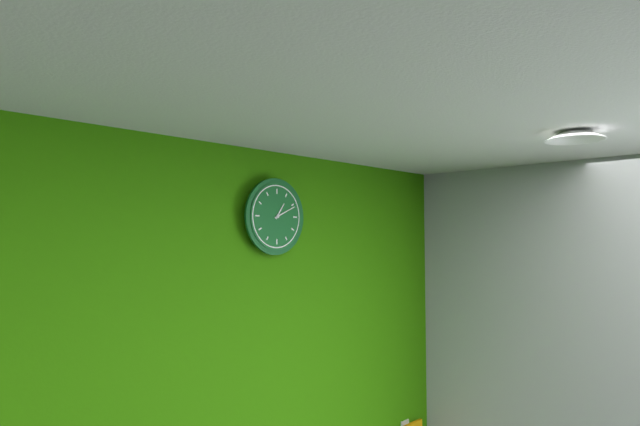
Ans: {"hour": 1, "minute": 11}
